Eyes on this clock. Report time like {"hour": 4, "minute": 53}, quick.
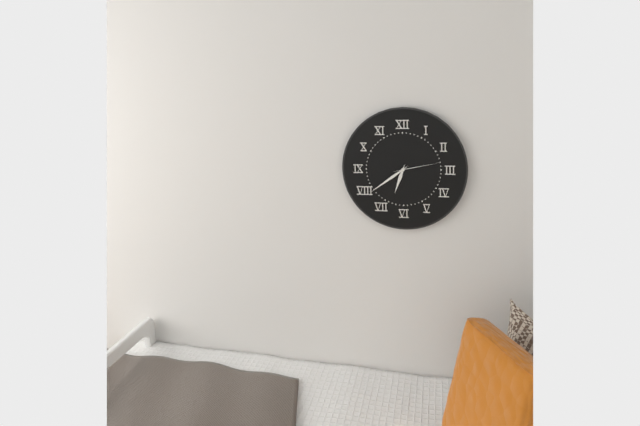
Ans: {"hour": 6, "minute": 39}
